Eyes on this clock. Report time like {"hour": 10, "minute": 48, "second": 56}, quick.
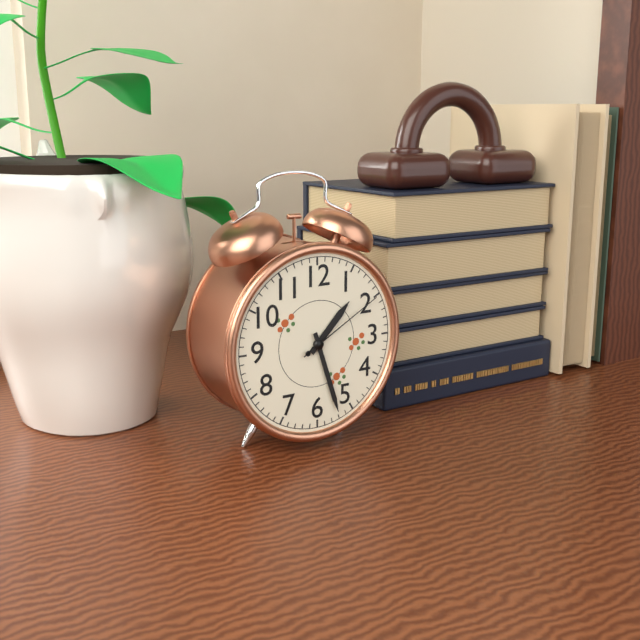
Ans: {"hour": 1, "minute": 27, "second": 10}
